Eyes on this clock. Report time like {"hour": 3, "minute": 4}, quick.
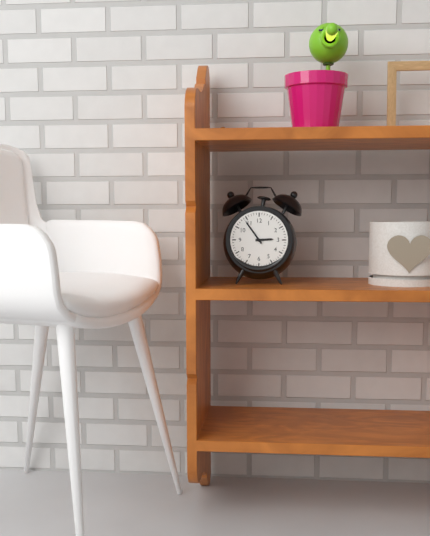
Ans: {"hour": 2, "minute": 54}
